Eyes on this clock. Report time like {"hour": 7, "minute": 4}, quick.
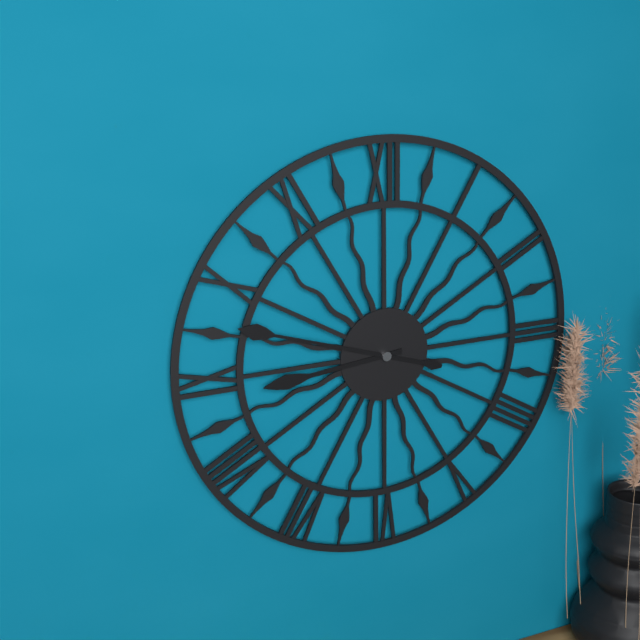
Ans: {"hour": 8, "minute": 48}
